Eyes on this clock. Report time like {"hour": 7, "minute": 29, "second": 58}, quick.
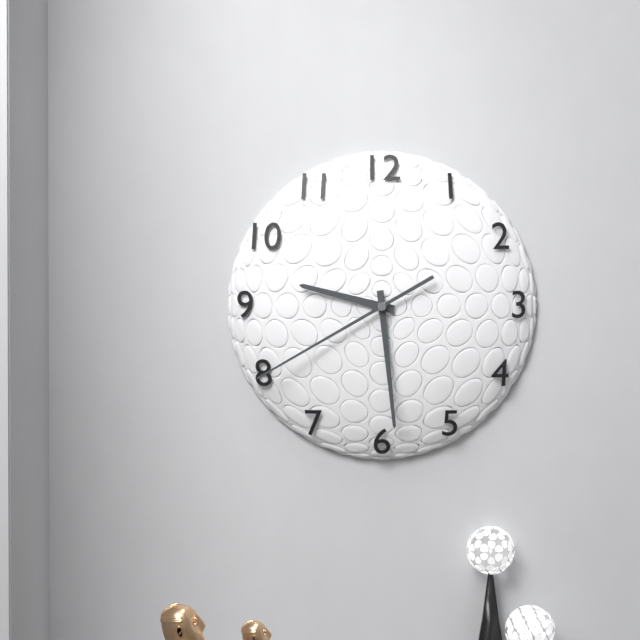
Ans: {"hour": 9, "minute": 29, "second": 40}
